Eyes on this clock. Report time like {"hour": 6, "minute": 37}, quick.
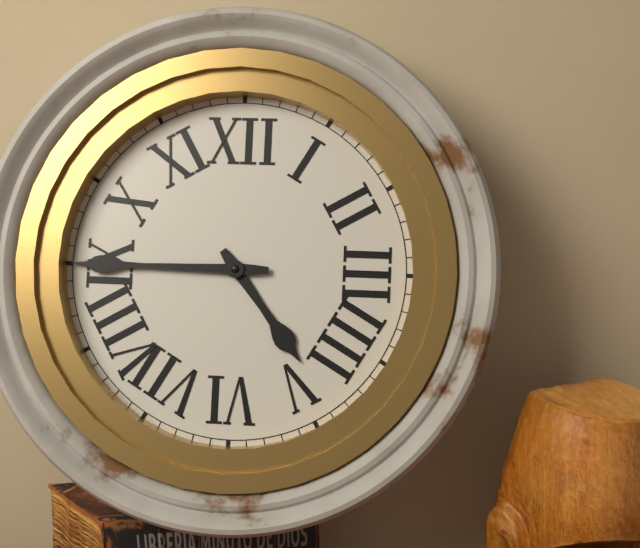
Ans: {"hour": 4, "minute": 45}
